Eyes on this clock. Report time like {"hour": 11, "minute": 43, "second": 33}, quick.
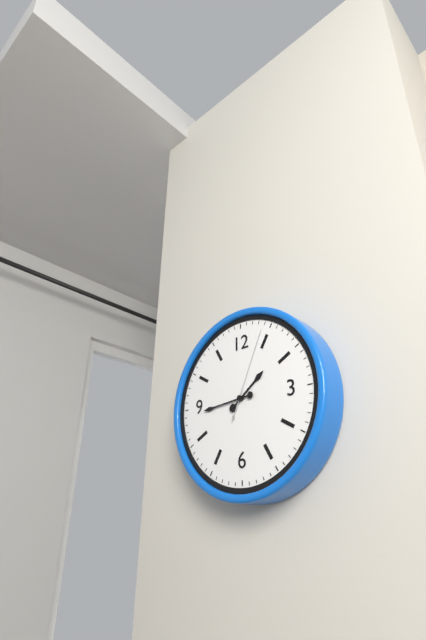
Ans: {"hour": 1, "minute": 44, "second": 4}
